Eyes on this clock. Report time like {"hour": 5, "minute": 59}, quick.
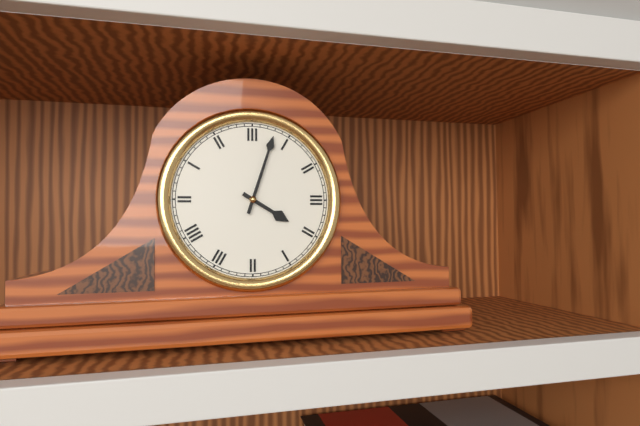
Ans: {"hour": 4, "minute": 3}
